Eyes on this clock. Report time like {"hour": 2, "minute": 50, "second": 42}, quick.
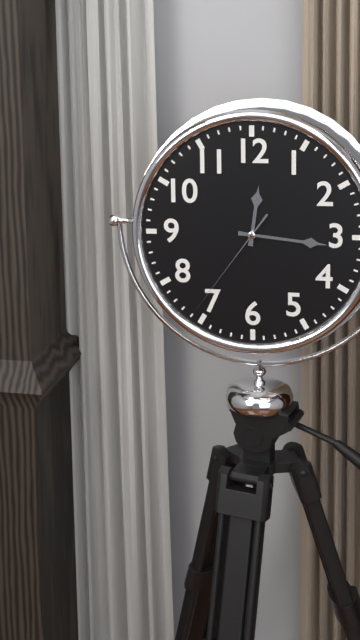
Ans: {"hour": 12, "minute": 16, "second": 36}
